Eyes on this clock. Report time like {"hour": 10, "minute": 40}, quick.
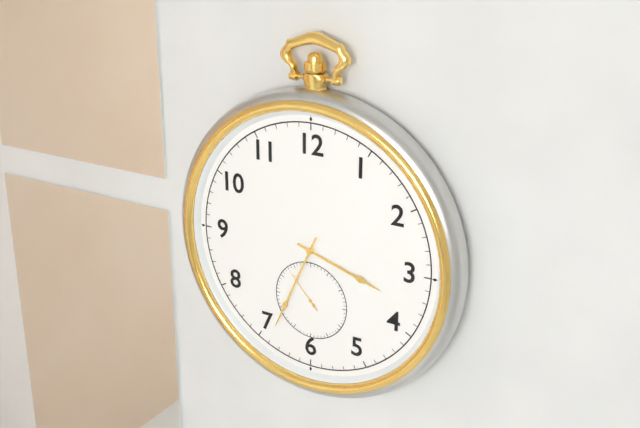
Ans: {"hour": 3, "minute": 34}
